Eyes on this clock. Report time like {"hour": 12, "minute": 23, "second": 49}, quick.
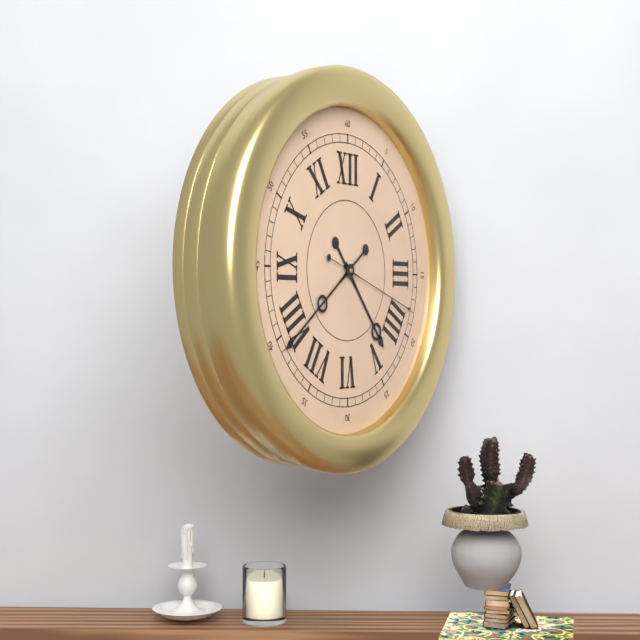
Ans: {"hour": 4, "minute": 39, "second": 18}
